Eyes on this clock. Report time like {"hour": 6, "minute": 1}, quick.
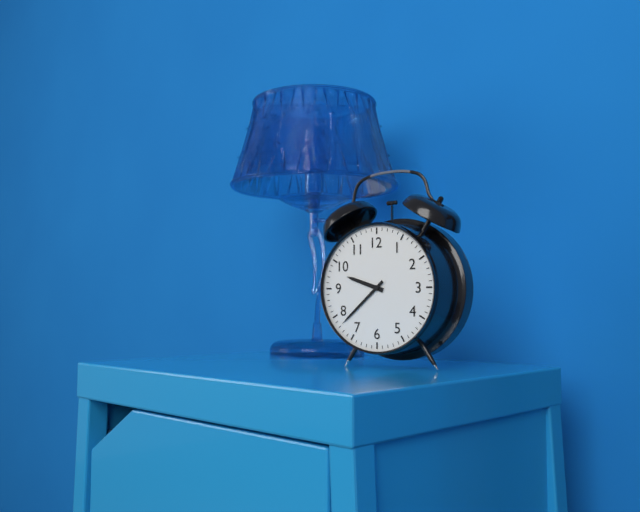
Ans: {"hour": 9, "minute": 38}
